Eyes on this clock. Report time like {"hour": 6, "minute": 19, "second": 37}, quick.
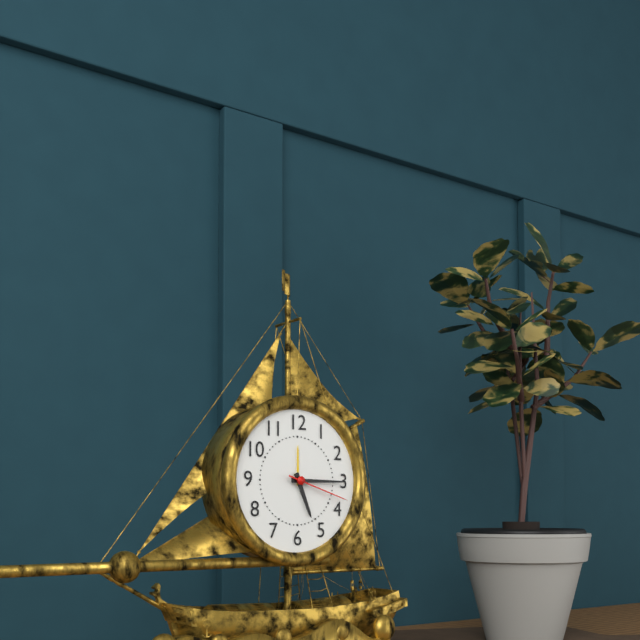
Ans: {"hour": 5, "minute": 15, "second": 18}
